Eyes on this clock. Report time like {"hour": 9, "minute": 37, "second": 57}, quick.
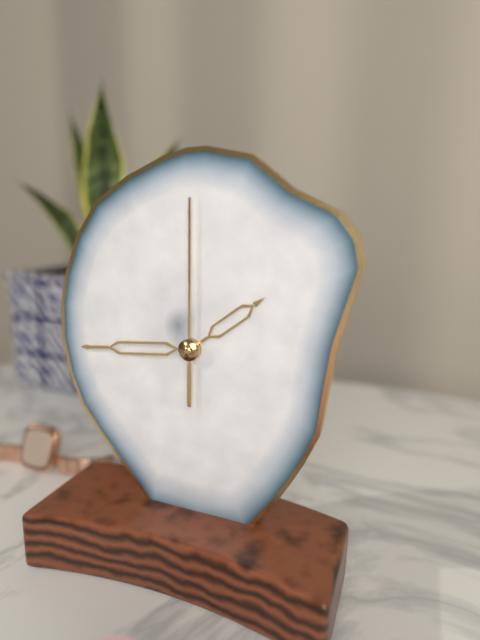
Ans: {"hour": 1, "minute": 44, "second": 0}
